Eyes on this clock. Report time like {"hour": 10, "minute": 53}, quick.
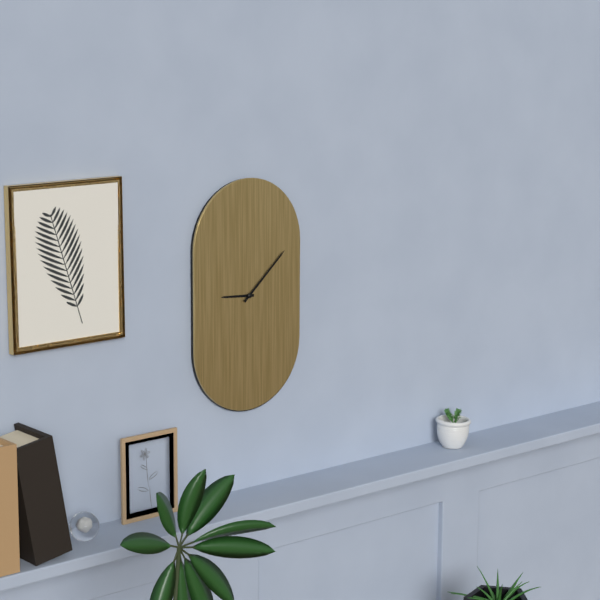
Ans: {"hour": 9, "minute": 8}
